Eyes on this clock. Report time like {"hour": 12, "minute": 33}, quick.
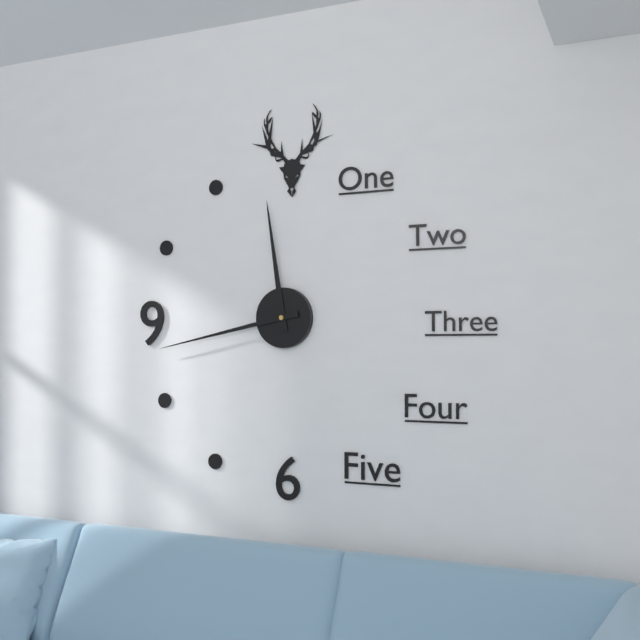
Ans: {"hour": 11, "minute": 43}
